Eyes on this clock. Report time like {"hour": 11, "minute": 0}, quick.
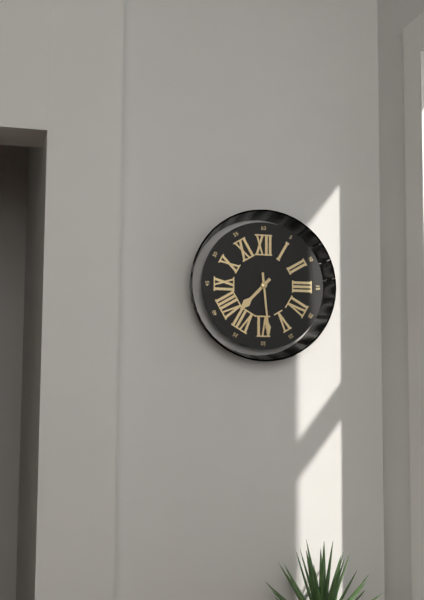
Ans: {"hour": 7, "minute": 29}
